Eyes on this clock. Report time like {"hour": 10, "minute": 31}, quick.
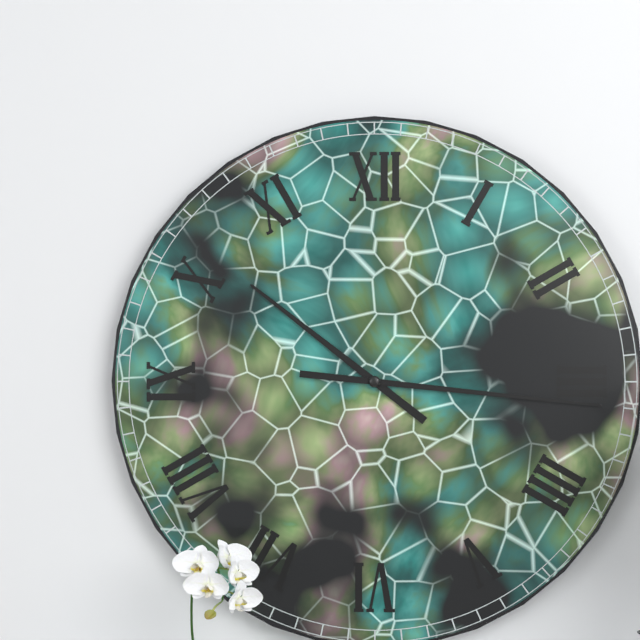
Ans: {"hour": 10, "minute": 16}
